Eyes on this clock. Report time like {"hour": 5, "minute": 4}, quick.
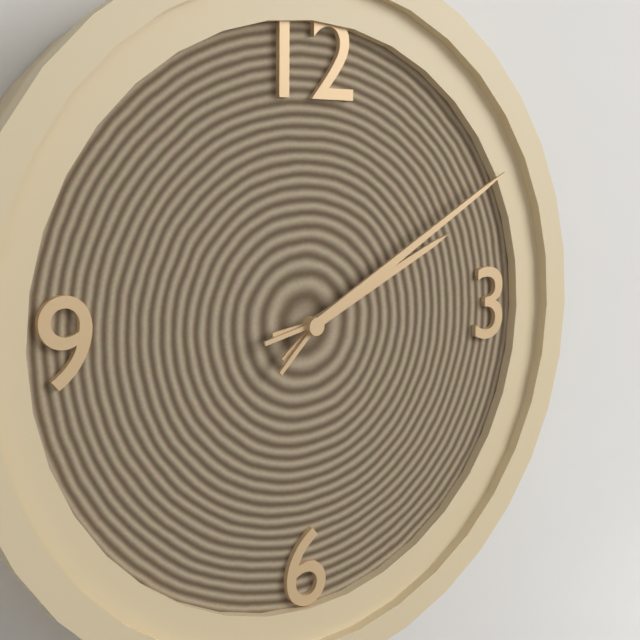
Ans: {"hour": 2, "minute": 10}
